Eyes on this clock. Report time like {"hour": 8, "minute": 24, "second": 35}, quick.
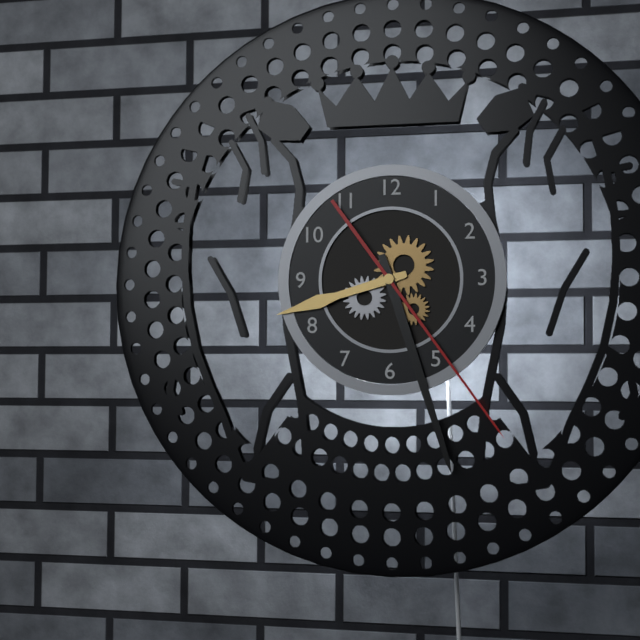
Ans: {"hour": 8, "minute": 27, "second": 24}
